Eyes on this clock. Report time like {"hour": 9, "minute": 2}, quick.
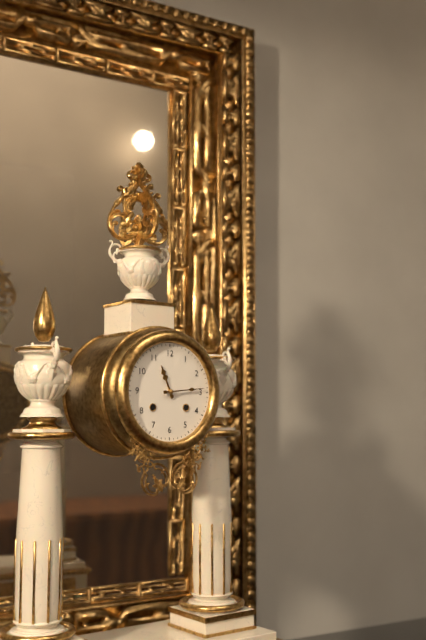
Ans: {"hour": 11, "minute": 14}
